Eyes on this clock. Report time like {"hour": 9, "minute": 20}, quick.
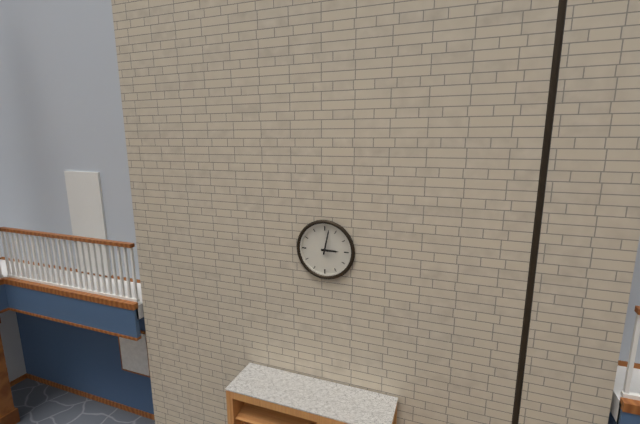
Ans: {"hour": 3, "minute": 2}
